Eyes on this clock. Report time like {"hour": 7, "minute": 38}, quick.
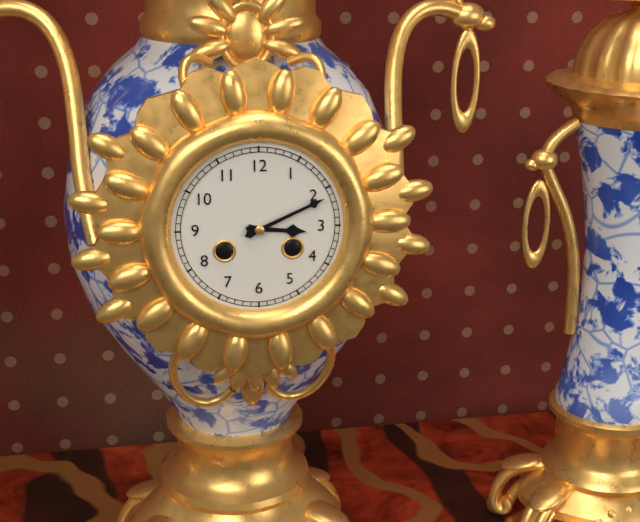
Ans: {"hour": 3, "minute": 11}
